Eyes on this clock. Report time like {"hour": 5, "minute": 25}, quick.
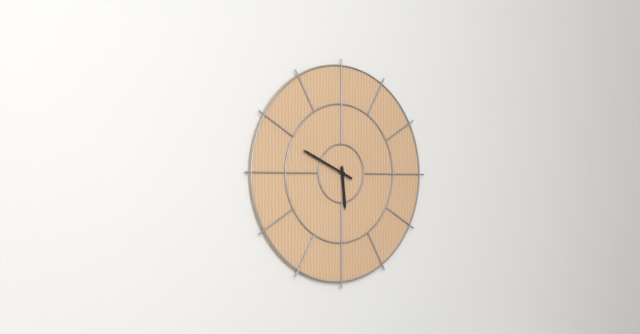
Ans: {"hour": 5, "minute": 49}
